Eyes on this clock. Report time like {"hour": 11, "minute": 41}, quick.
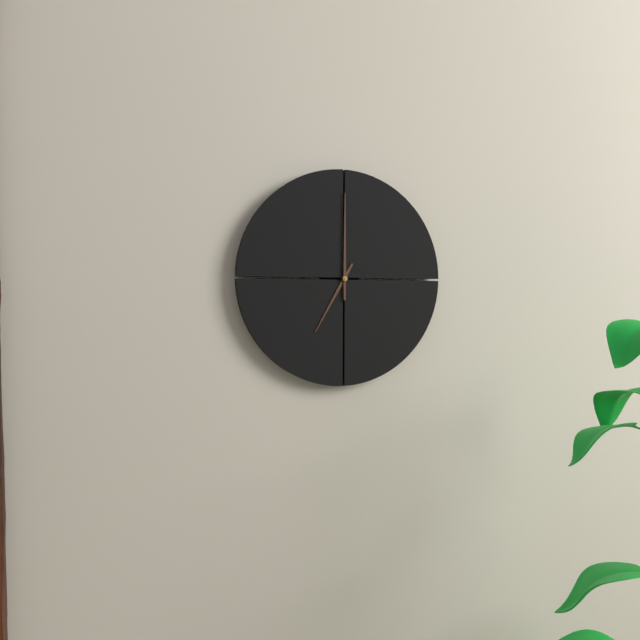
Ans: {"hour": 7, "minute": 0}
